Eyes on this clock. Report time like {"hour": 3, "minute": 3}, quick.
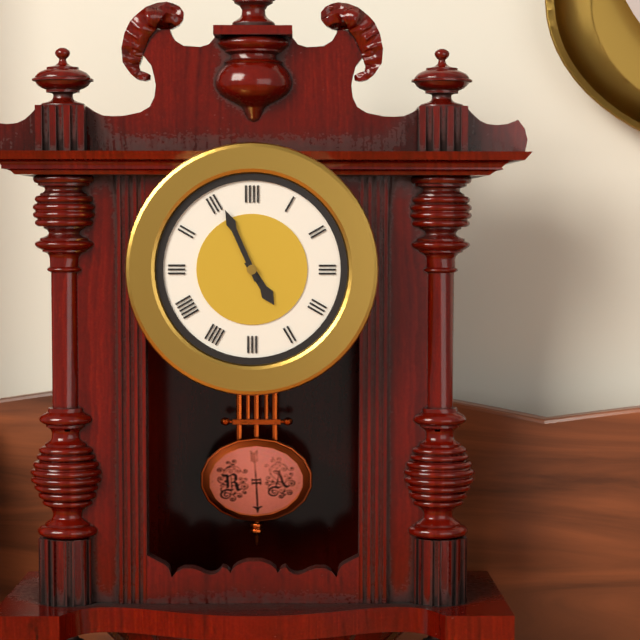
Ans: {"hour": 4, "minute": 56}
